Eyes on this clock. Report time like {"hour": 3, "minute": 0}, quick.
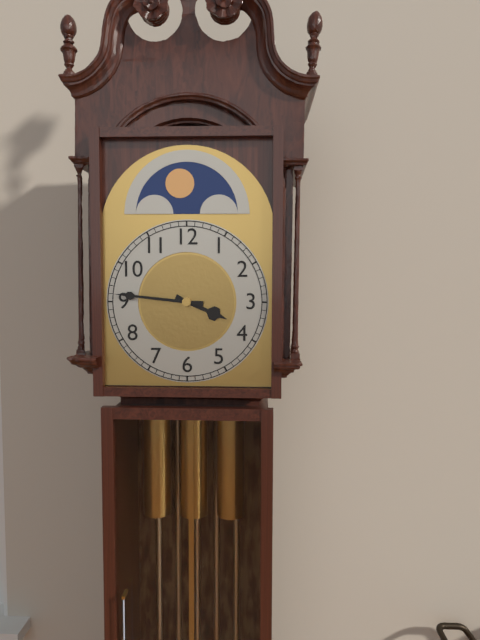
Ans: {"hour": 3, "minute": 46}
